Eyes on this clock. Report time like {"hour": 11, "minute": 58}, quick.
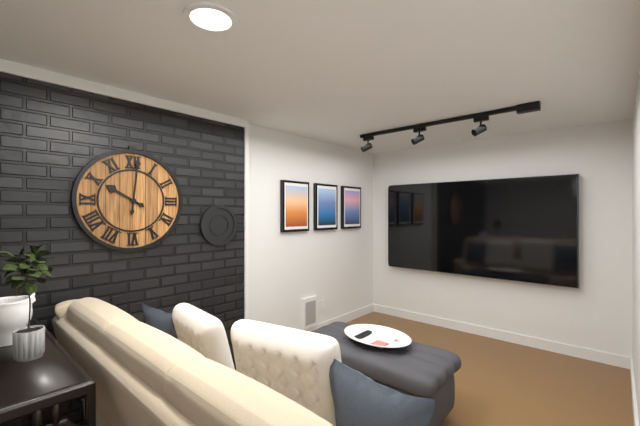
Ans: {"hour": 10, "minute": 1}
